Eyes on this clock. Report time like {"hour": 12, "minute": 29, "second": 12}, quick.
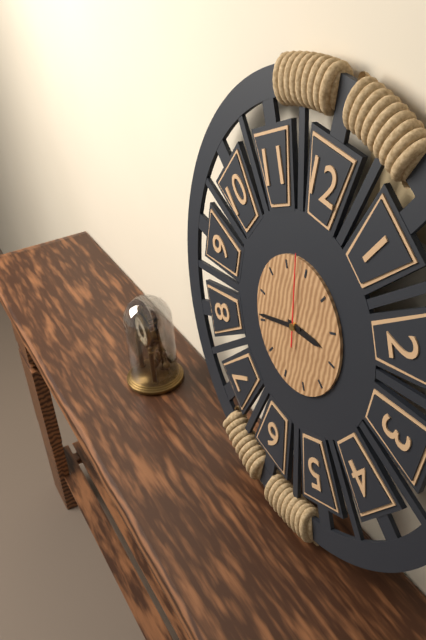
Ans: {"hour": 2, "minute": 41, "second": 58}
